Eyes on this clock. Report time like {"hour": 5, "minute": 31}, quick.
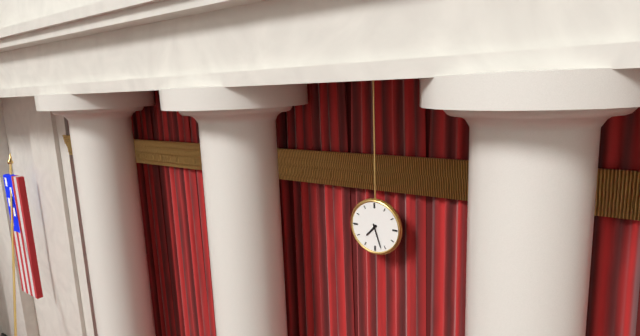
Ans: {"hour": 7, "minute": 27}
